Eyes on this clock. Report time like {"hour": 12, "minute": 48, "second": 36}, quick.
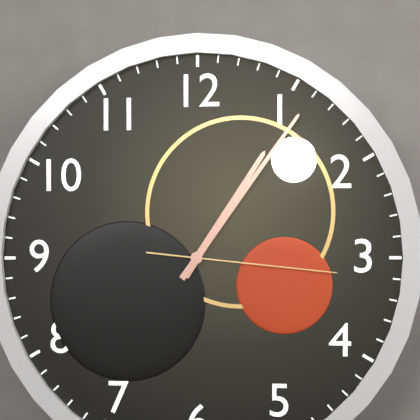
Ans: {"hour": 1, "minute": 6, "second": 16}
